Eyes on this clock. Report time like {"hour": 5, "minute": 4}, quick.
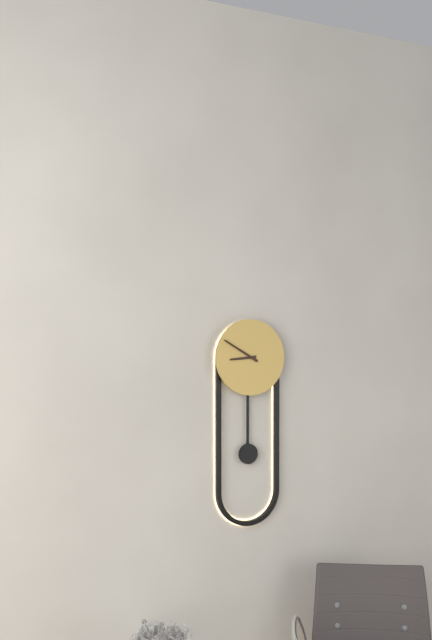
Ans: {"hour": 8, "minute": 50}
